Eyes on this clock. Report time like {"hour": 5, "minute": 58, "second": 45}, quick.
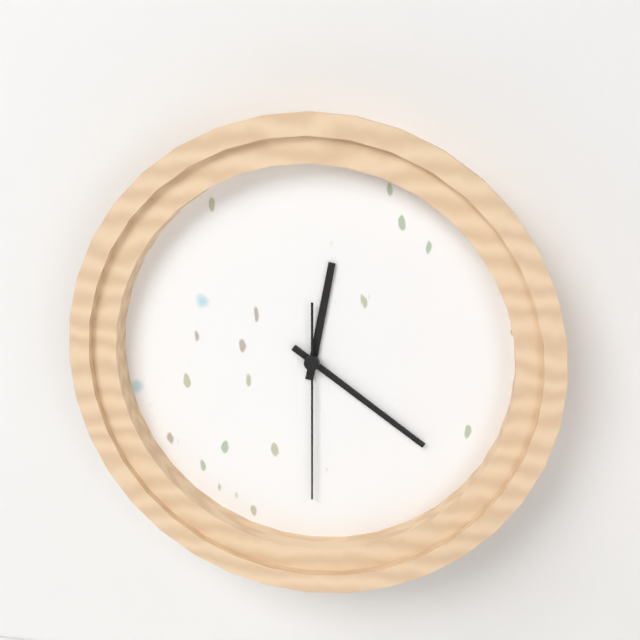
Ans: {"hour": 12, "minute": 21, "second": 30}
